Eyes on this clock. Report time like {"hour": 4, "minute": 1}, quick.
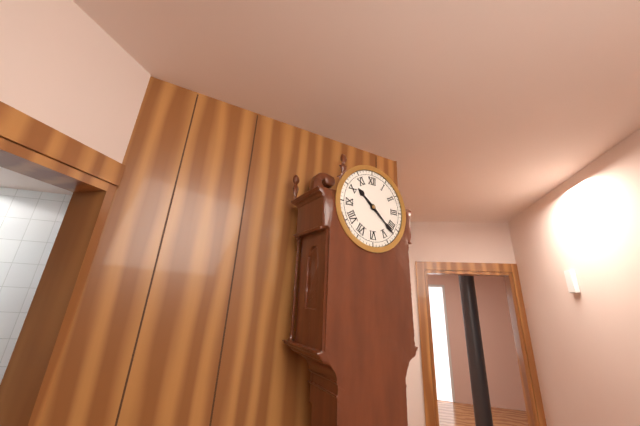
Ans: {"hour": 10, "minute": 22}
